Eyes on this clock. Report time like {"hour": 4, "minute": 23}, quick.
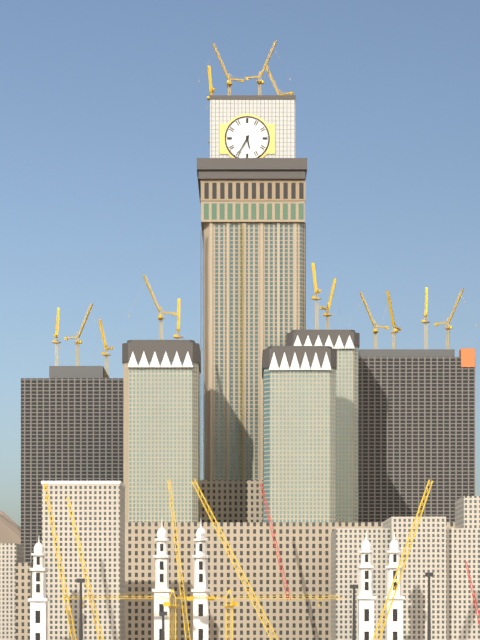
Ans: {"hour": 5, "minute": 35}
